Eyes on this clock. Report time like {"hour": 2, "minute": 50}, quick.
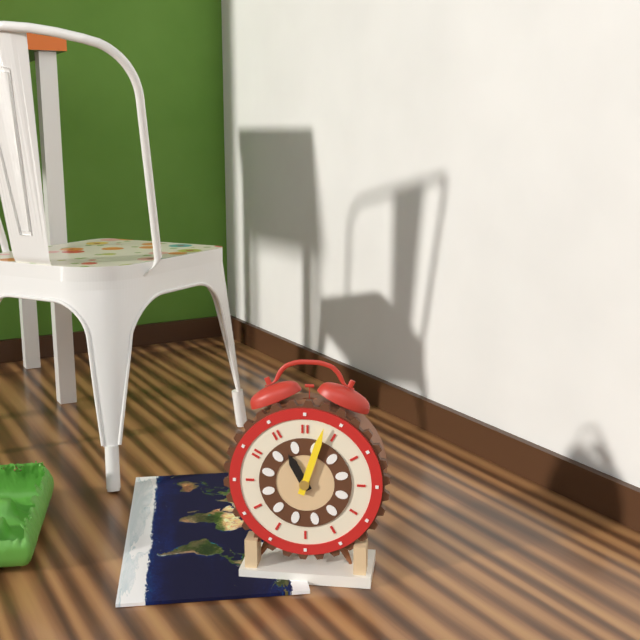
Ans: {"hour": 11, "minute": 3}
